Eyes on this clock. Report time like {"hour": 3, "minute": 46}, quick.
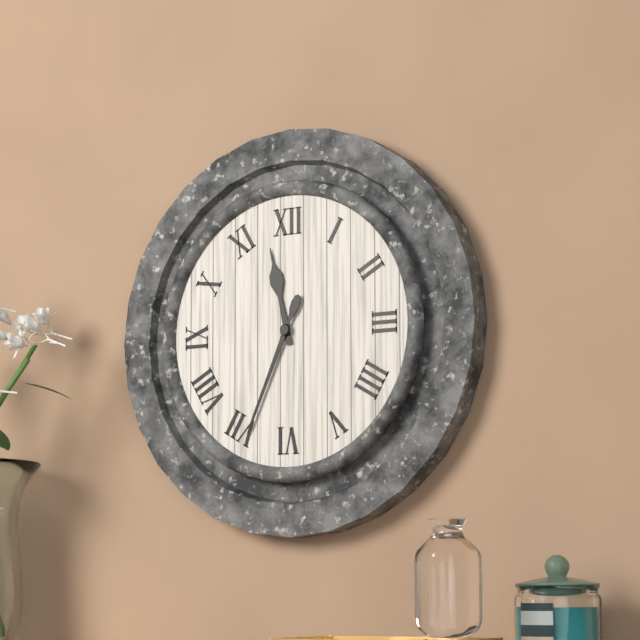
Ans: {"hour": 11, "minute": 34}
